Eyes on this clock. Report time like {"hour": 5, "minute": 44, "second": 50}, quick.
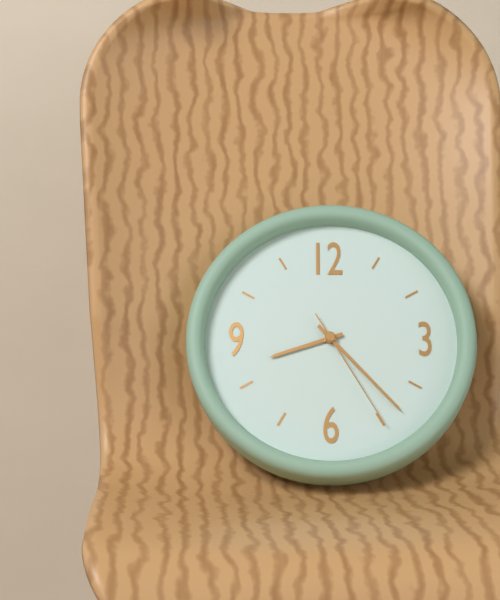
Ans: {"hour": 8, "minute": 23, "second": 25}
